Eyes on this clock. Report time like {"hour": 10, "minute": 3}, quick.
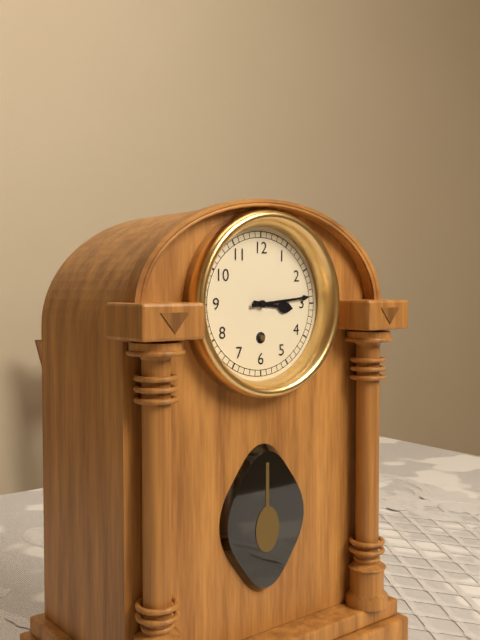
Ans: {"hour": 3, "minute": 14}
